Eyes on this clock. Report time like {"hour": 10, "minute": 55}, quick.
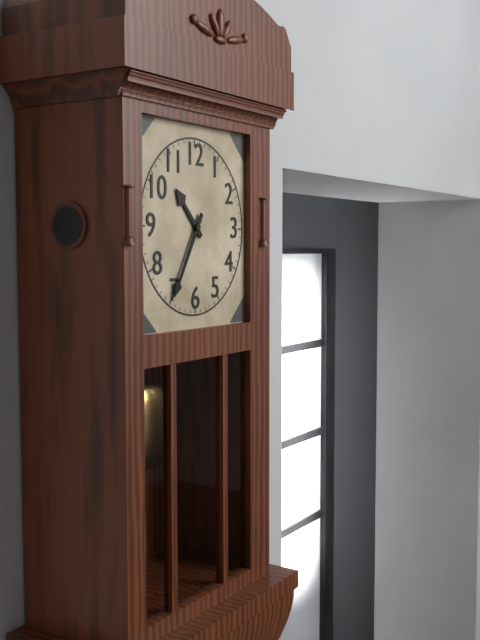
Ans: {"hour": 10, "minute": 35}
